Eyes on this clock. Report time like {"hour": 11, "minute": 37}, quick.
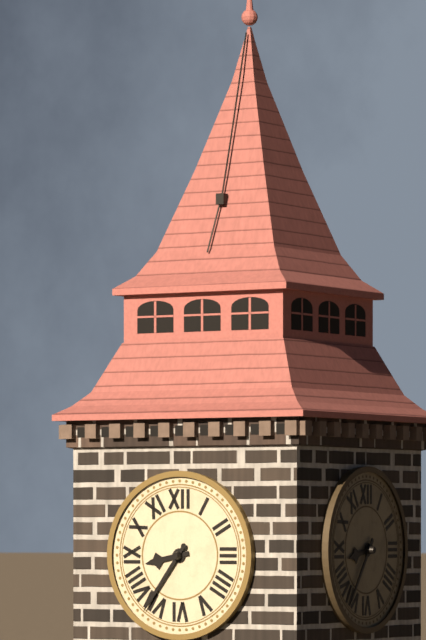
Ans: {"hour": 8, "minute": 36}
